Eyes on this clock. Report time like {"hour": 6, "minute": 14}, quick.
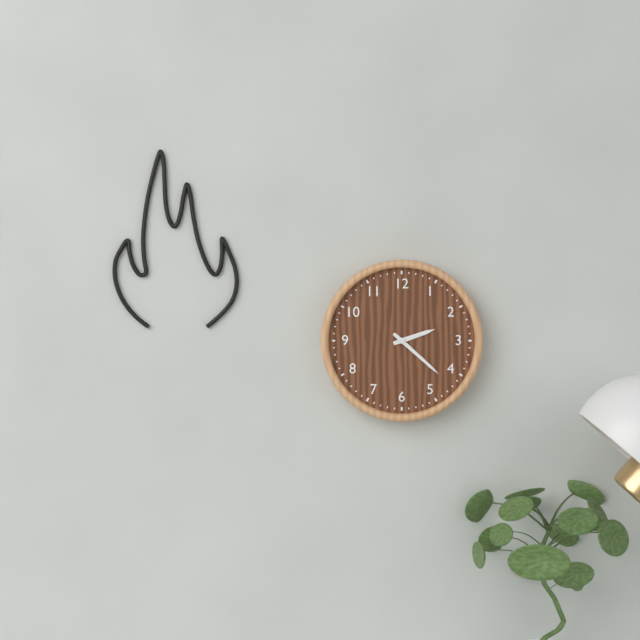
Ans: {"hour": 2, "minute": 22}
